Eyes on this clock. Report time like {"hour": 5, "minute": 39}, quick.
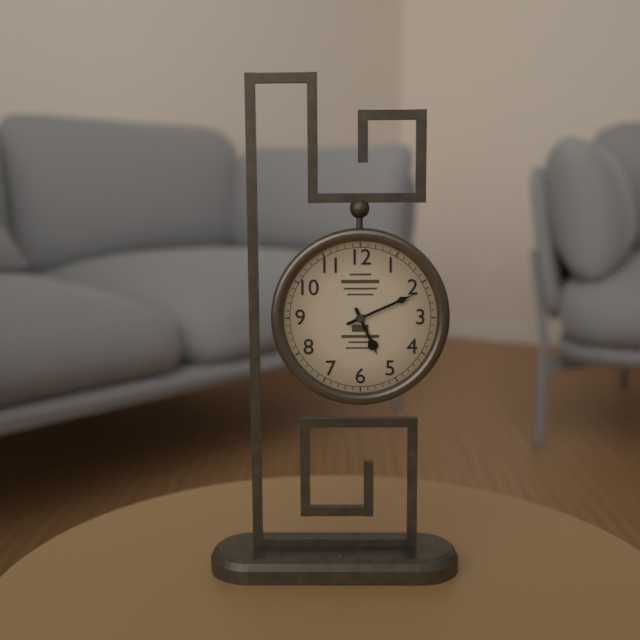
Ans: {"hour": 5, "minute": 11}
